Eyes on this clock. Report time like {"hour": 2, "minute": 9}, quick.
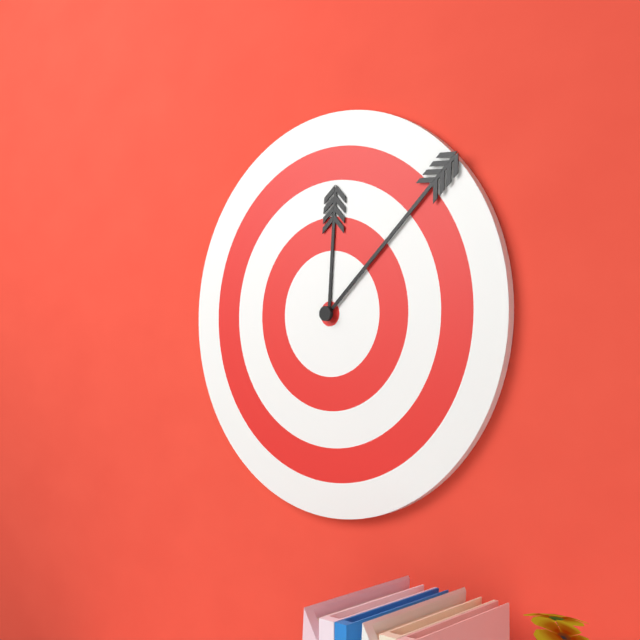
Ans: {"hour": 12, "minute": 8}
